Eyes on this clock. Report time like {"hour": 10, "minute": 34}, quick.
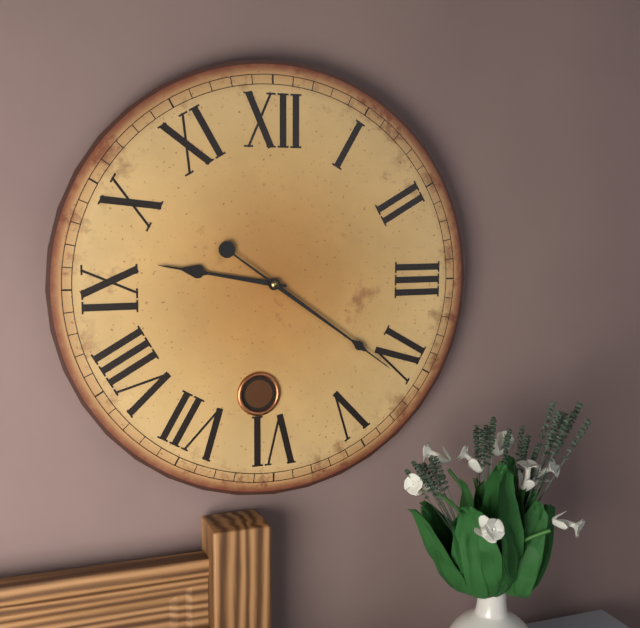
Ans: {"hour": 9, "minute": 21}
